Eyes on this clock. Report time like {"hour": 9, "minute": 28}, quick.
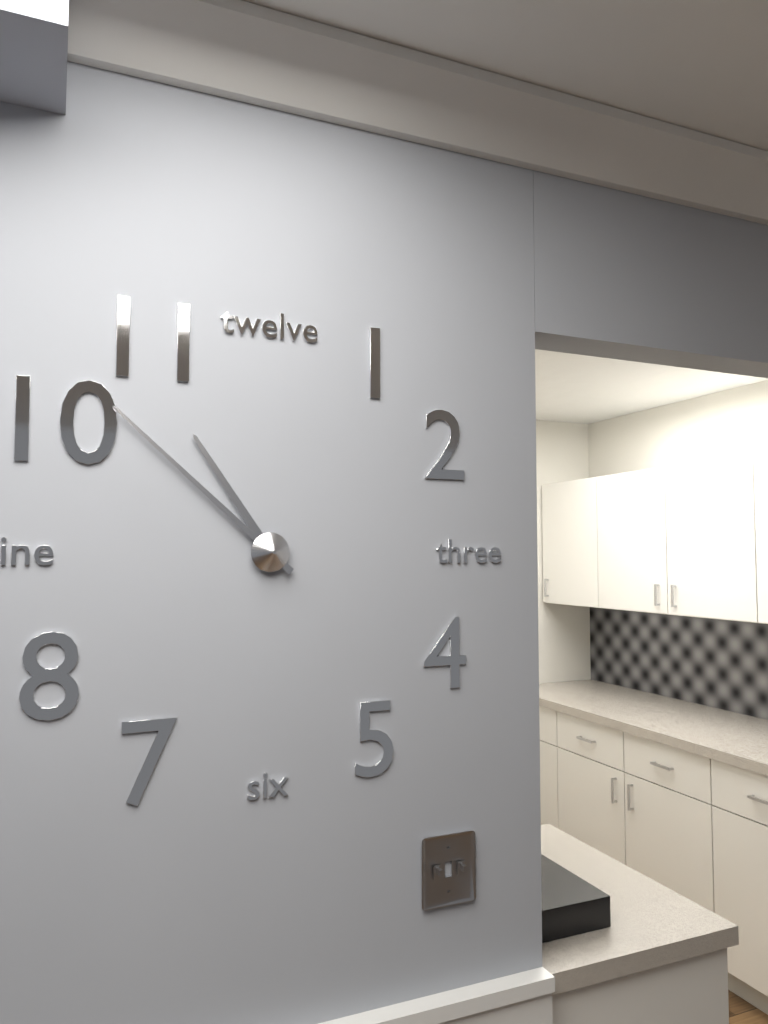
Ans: {"hour": 10, "minute": 52}
